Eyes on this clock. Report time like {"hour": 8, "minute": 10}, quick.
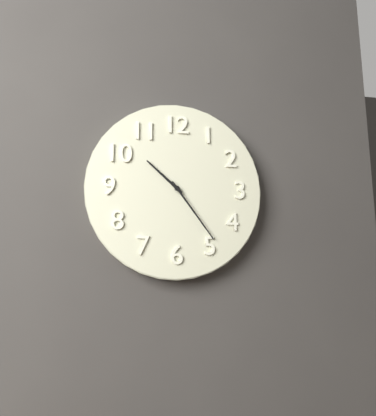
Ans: {"hour": 10, "minute": 24}
